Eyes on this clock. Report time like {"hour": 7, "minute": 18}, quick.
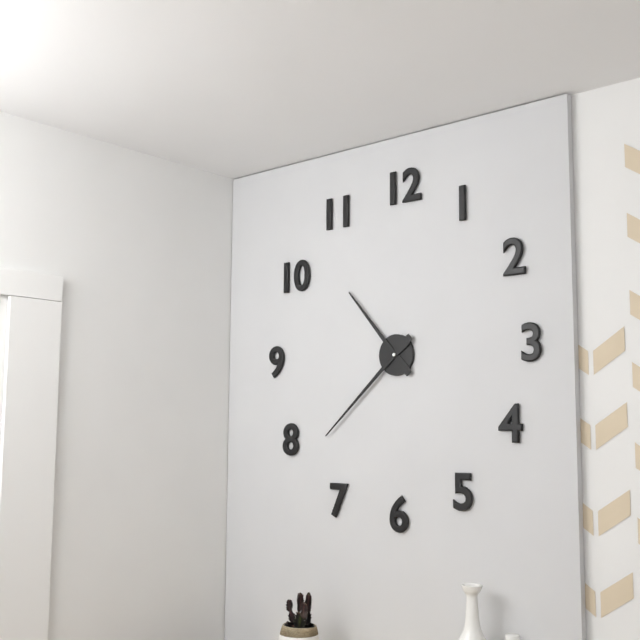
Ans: {"hour": 10, "minute": 38}
